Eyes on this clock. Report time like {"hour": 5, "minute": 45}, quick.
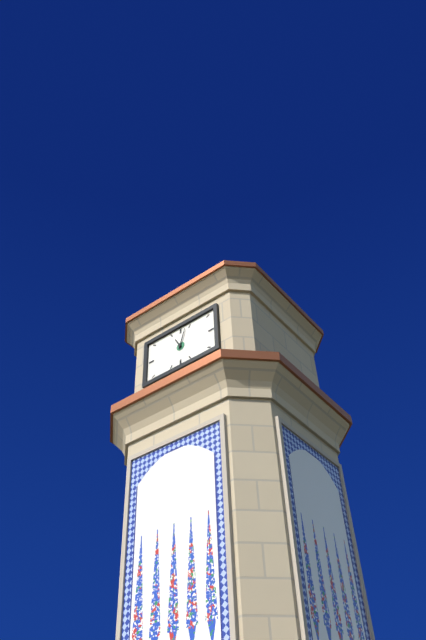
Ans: {"hour": 11, "minute": 3}
